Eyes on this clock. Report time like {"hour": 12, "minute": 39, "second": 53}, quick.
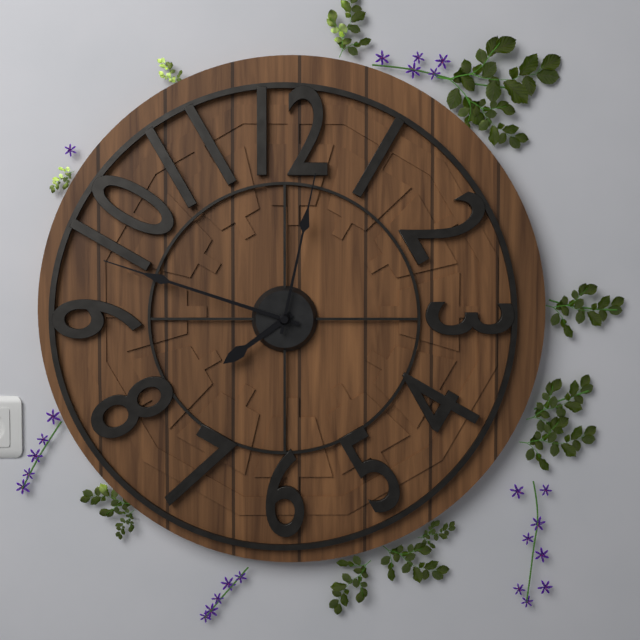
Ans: {"hour": 7, "minute": 48, "second": 2}
